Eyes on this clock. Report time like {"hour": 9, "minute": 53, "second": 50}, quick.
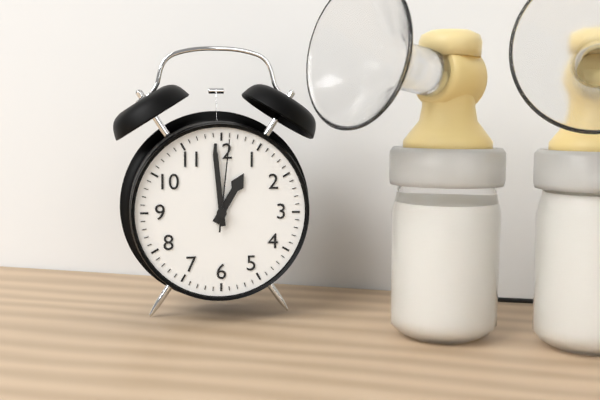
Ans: {"hour": 12, "minute": 59, "second": 1}
